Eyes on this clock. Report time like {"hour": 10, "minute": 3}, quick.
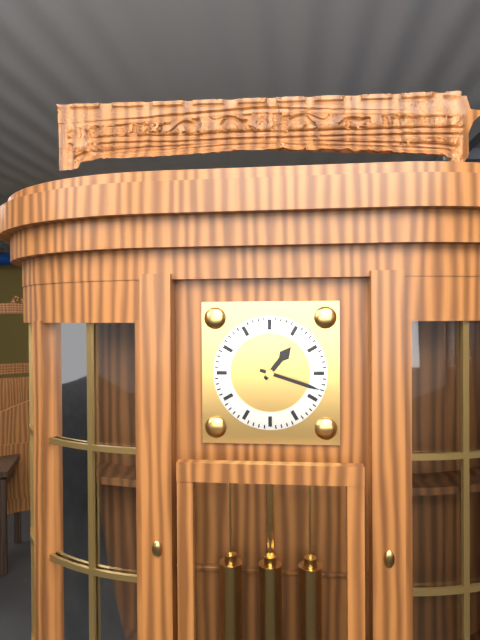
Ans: {"hour": 1, "minute": 18}
